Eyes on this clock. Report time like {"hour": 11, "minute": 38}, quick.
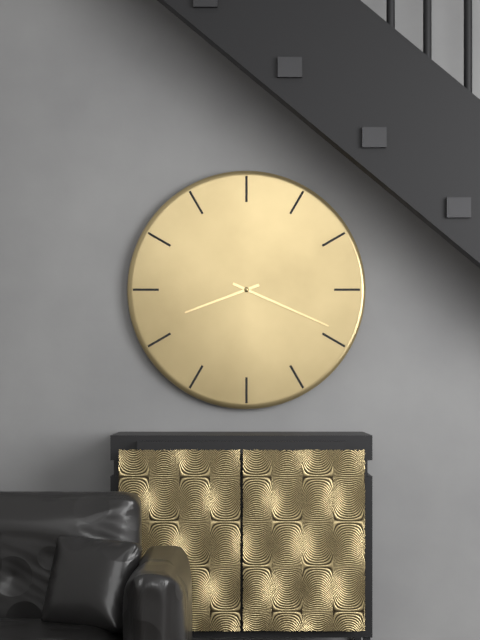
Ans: {"hour": 8, "minute": 19}
